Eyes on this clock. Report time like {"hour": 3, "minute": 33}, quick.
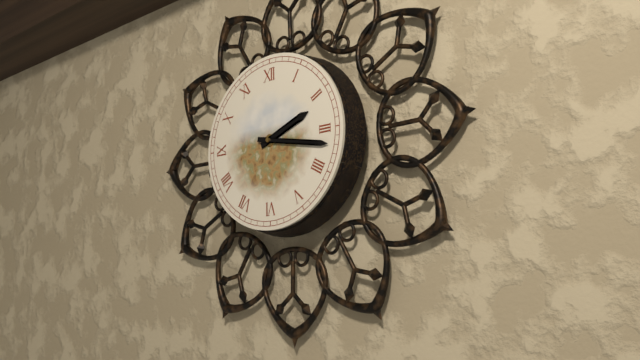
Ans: {"hour": 2, "minute": 17}
